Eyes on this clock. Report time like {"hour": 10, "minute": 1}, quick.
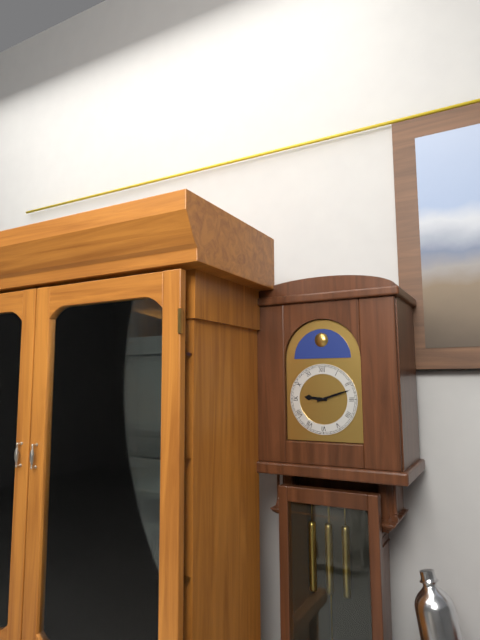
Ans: {"hour": 9, "minute": 12}
